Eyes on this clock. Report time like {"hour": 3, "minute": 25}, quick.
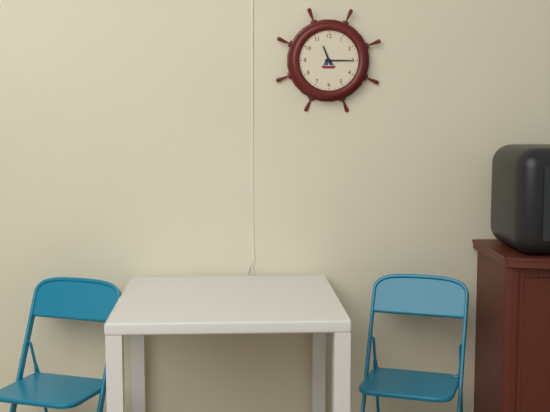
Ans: {"hour": 11, "minute": 15}
